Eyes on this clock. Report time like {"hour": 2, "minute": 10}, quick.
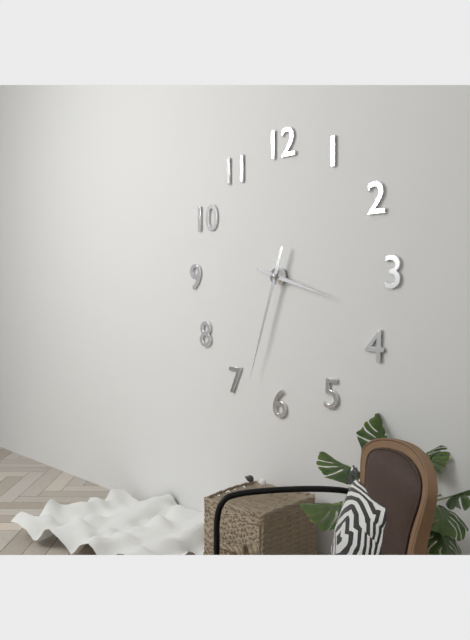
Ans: {"hour": 3, "minute": 33}
